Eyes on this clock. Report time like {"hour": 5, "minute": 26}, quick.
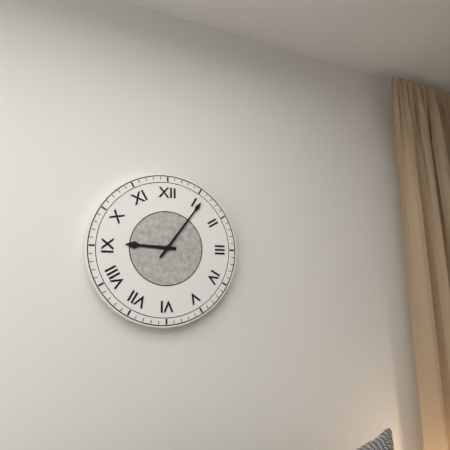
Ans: {"hour": 9, "minute": 6}
